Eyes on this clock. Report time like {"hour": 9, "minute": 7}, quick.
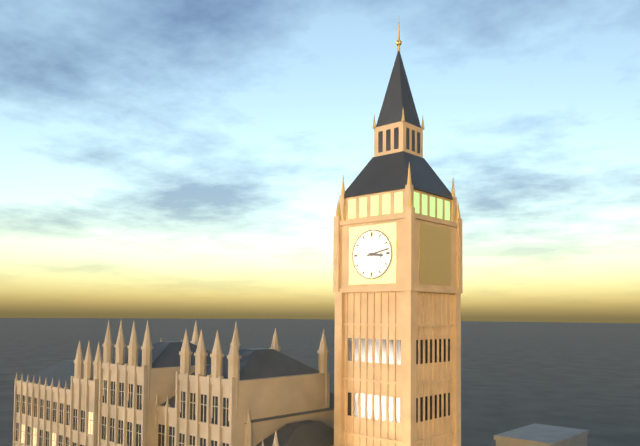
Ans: {"hour": 3, "minute": 13}
